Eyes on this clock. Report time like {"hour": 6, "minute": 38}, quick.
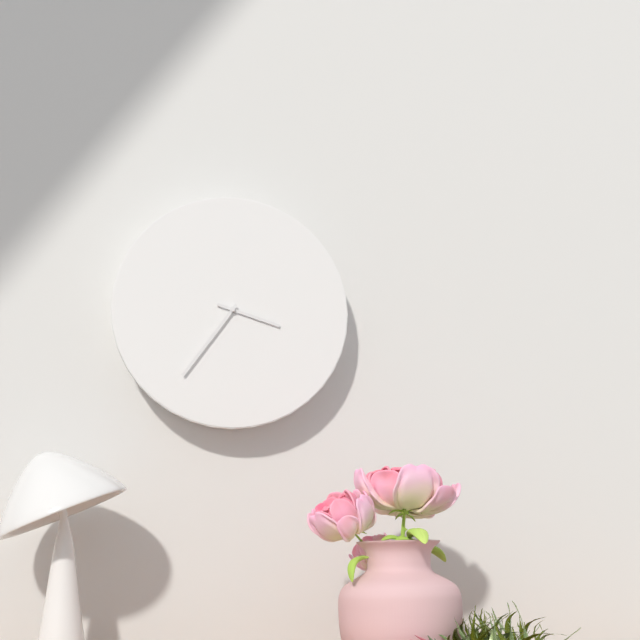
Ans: {"hour": 3, "minute": 36}
